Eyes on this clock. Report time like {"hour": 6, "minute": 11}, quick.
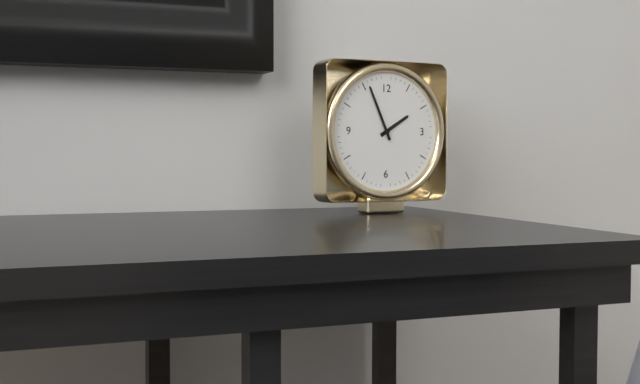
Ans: {"hour": 1, "minute": 56}
